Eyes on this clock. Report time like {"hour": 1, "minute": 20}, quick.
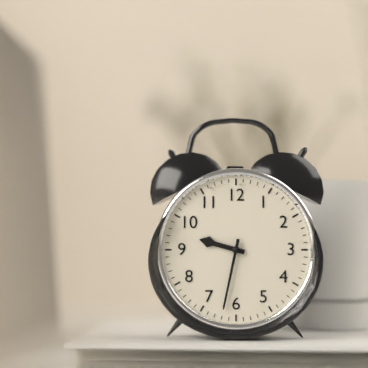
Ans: {"hour": 9, "minute": 32}
